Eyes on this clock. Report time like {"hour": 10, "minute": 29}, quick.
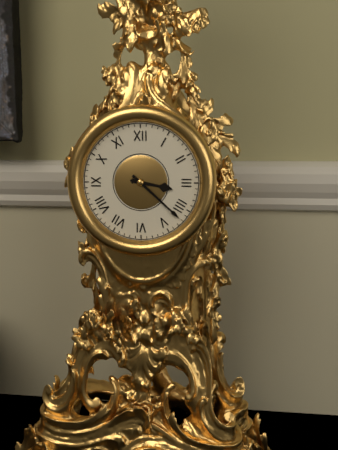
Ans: {"hour": 3, "minute": 22}
